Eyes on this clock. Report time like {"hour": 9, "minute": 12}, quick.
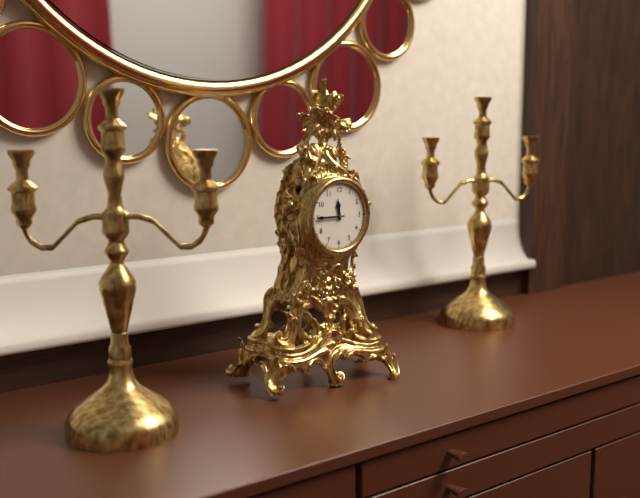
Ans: {"hour": 11, "minute": 45}
